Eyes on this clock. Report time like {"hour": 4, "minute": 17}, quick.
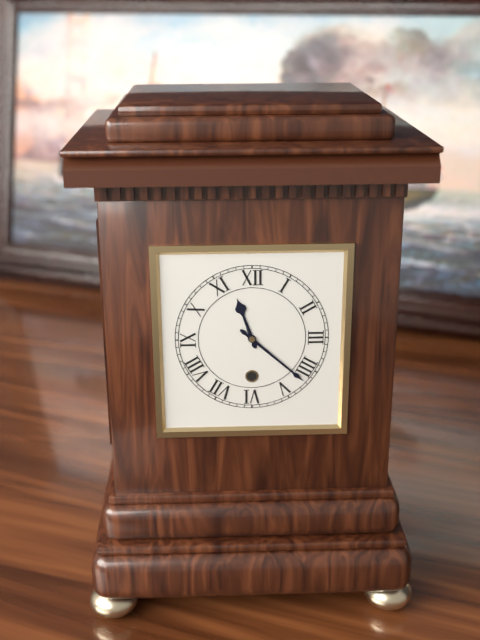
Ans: {"hour": 11, "minute": 22}
